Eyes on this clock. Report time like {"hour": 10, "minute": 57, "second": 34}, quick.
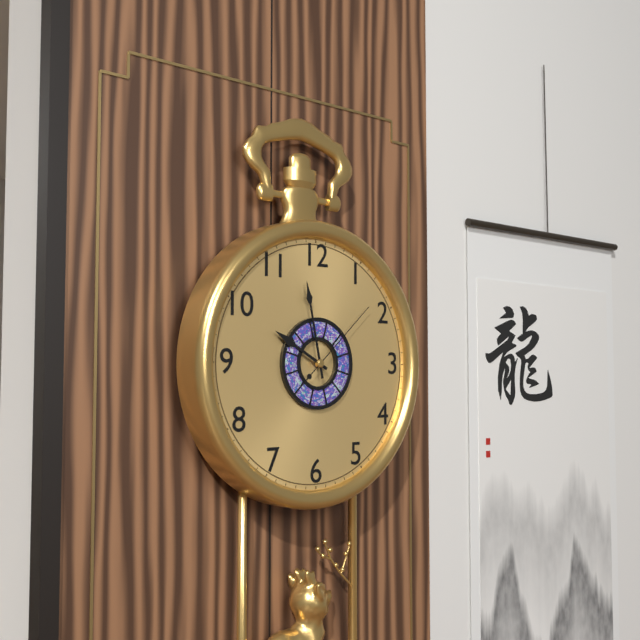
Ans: {"hour": 9, "minute": 58, "second": 8}
